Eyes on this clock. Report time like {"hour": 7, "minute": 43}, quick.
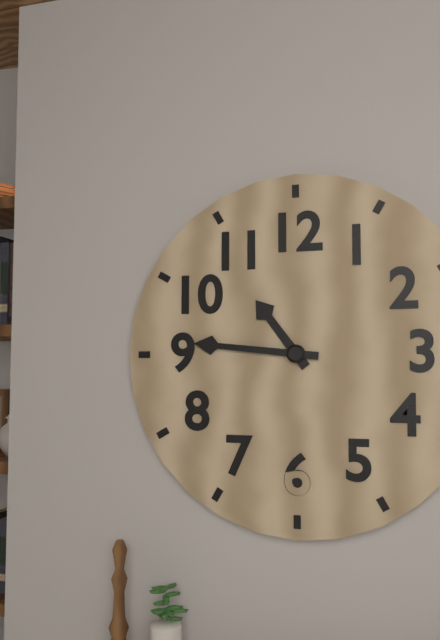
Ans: {"hour": 10, "minute": 46}
